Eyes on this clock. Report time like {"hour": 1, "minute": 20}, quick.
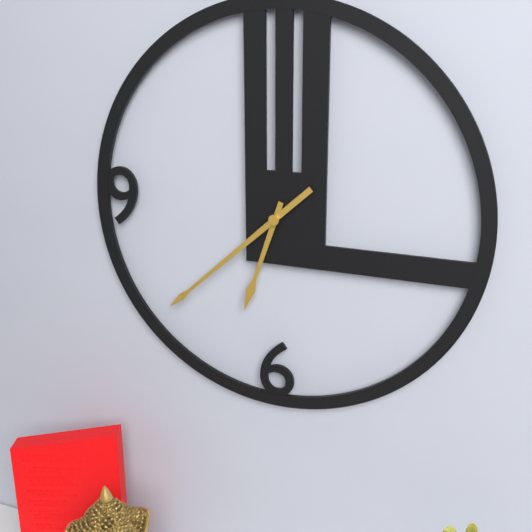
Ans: {"hour": 6, "minute": 38}
